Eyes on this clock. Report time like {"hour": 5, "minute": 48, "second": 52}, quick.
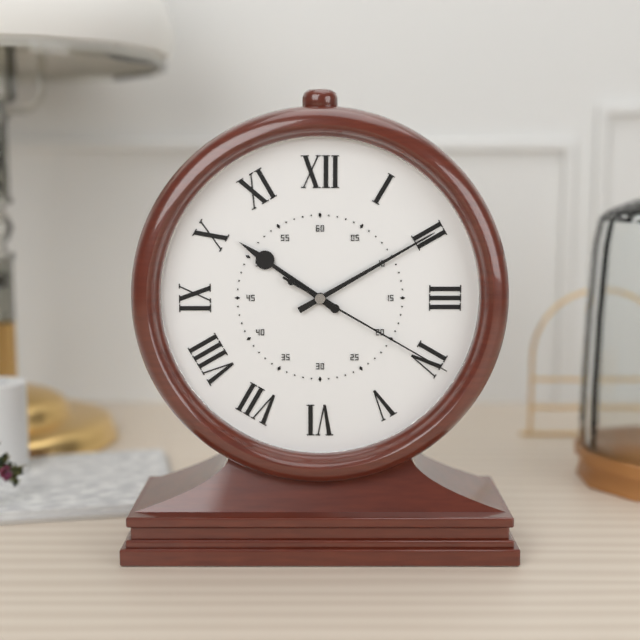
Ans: {"hour": 10, "minute": 10, "second": 20}
